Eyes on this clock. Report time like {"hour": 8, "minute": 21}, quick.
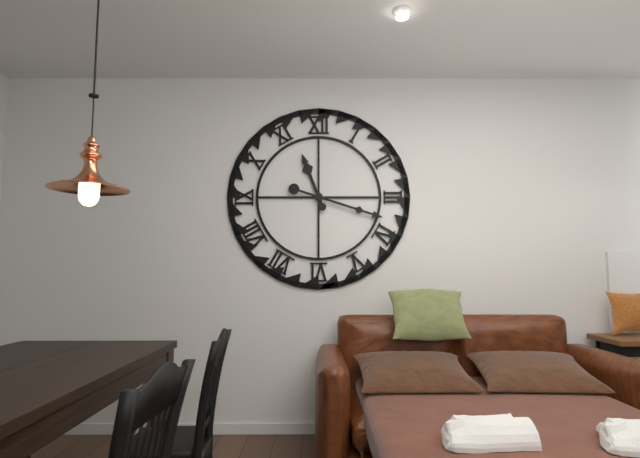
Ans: {"hour": 11, "minute": 18}
